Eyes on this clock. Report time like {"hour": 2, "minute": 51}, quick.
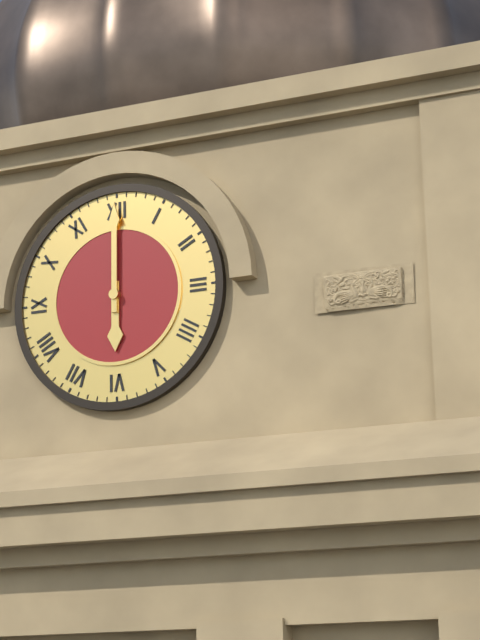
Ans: {"hour": 6, "minute": 0}
